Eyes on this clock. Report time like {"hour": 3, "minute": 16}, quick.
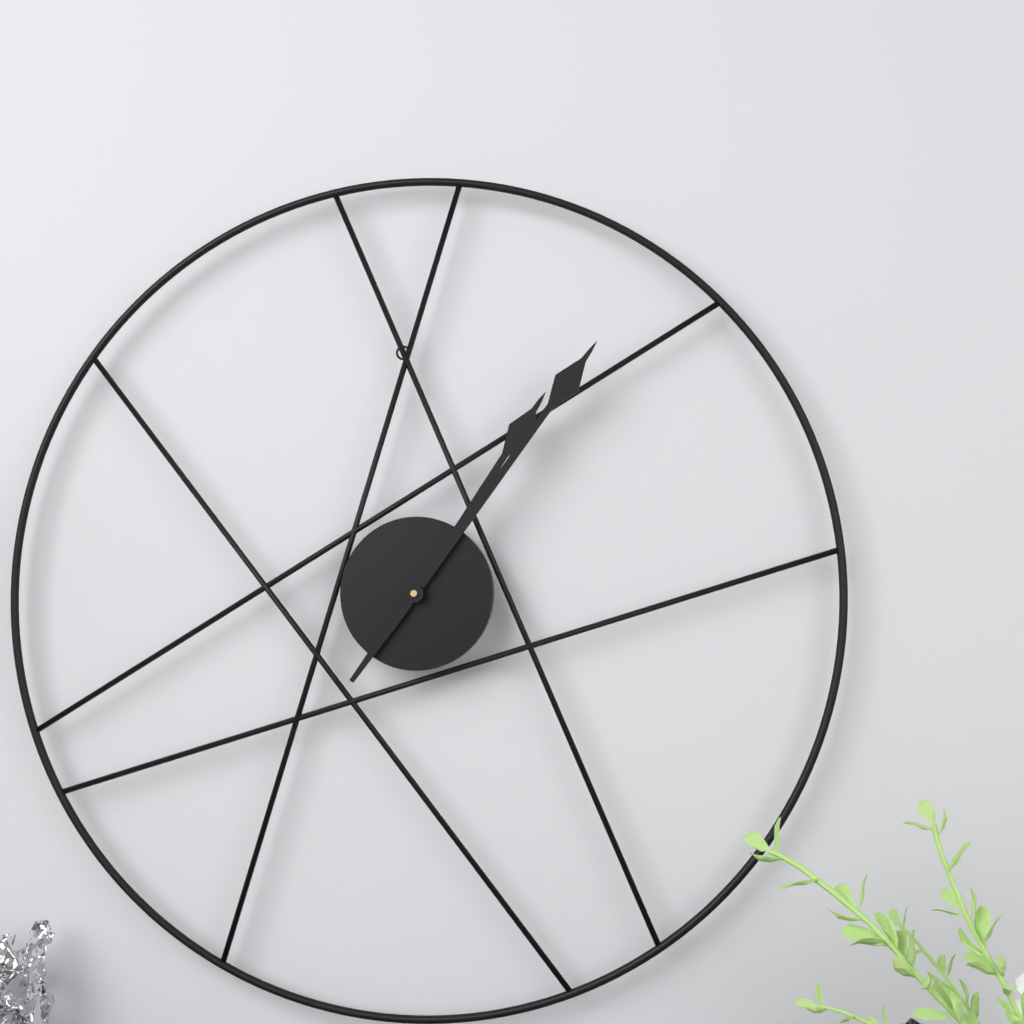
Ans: {"hour": 1, "minute": 6}
